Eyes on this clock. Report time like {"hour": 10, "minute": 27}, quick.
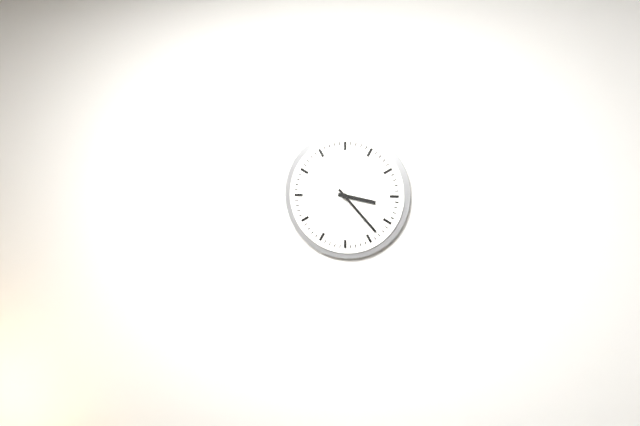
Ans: {"hour": 3, "minute": 23}
